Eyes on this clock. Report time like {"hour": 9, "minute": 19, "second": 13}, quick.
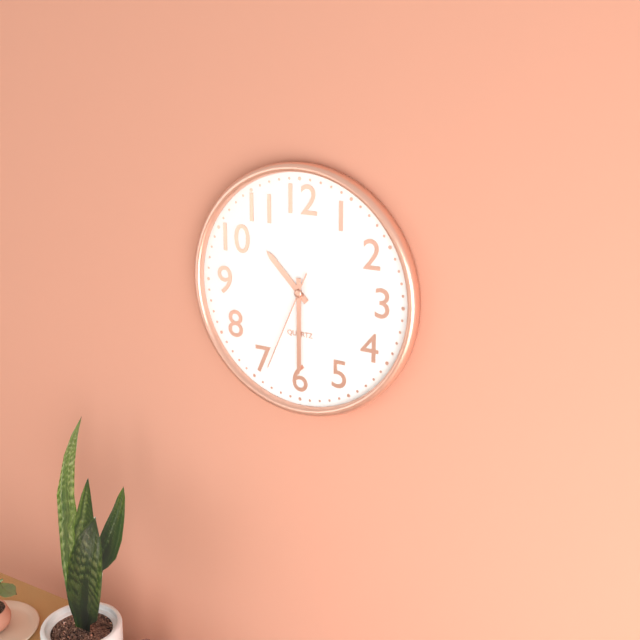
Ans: {"hour": 10, "minute": 30, "second": 34}
